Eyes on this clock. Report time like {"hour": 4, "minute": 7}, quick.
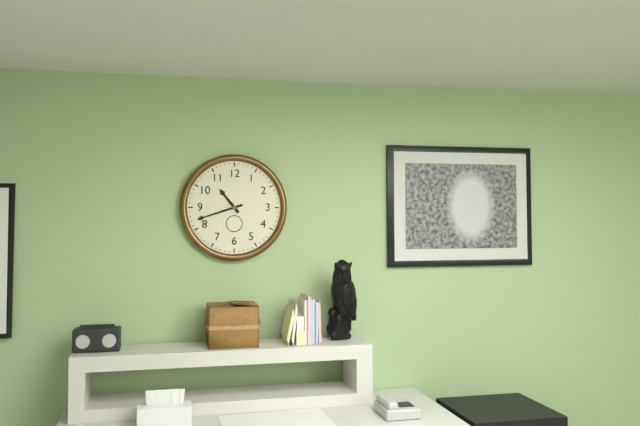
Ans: {"hour": 10, "minute": 42}
